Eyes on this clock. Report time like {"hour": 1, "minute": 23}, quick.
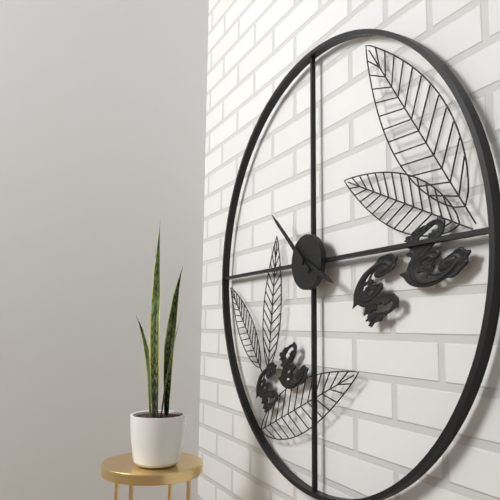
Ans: {"hour": 3, "minute": 52}
